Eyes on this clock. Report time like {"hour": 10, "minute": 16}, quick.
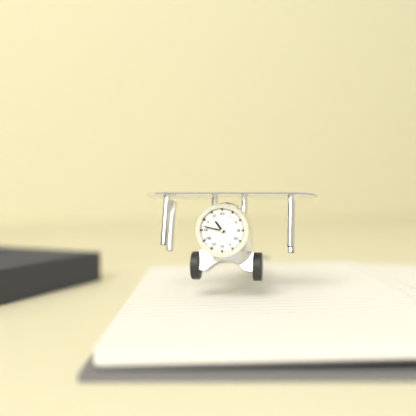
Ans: {"hour": 10, "minute": 47}
